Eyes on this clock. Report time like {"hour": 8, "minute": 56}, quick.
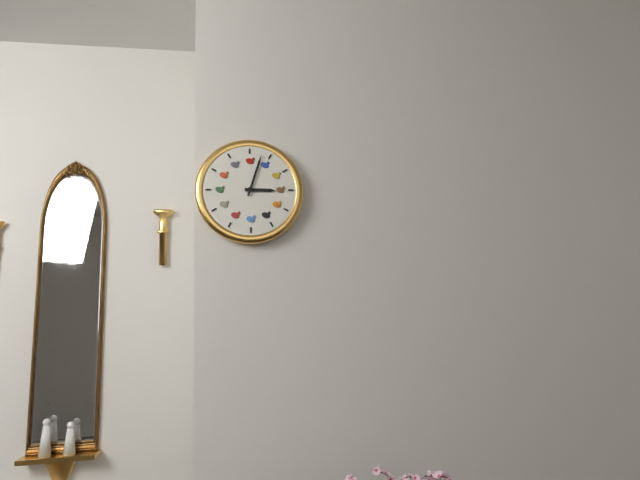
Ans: {"hour": 3, "minute": 3}
